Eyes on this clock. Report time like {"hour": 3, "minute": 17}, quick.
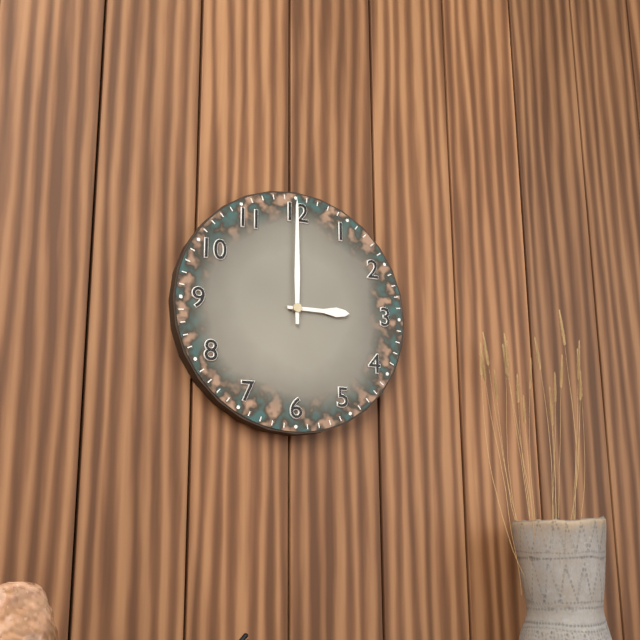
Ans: {"hour": 3, "minute": 0}
